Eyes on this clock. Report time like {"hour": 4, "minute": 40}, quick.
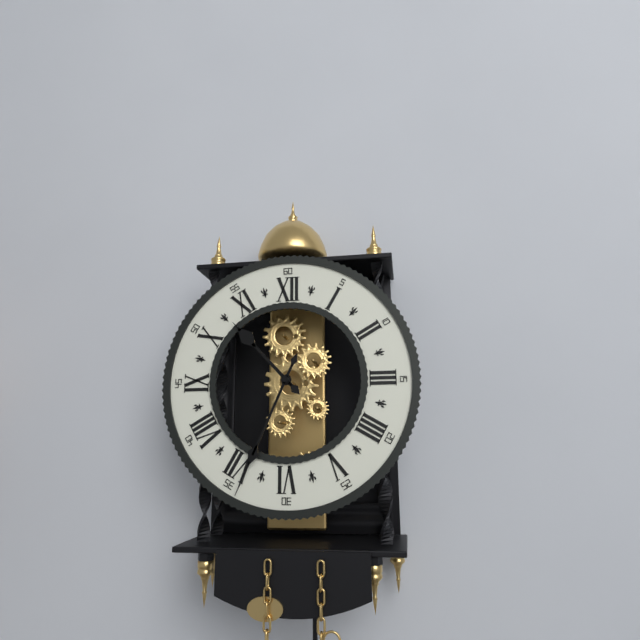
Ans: {"hour": 10, "minute": 34}
